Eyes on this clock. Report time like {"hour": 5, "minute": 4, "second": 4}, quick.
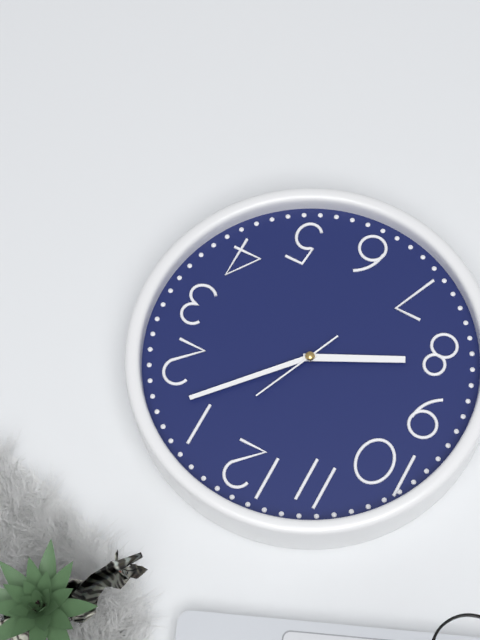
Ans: {"hour": 8, "minute": 7, "second": 4}
